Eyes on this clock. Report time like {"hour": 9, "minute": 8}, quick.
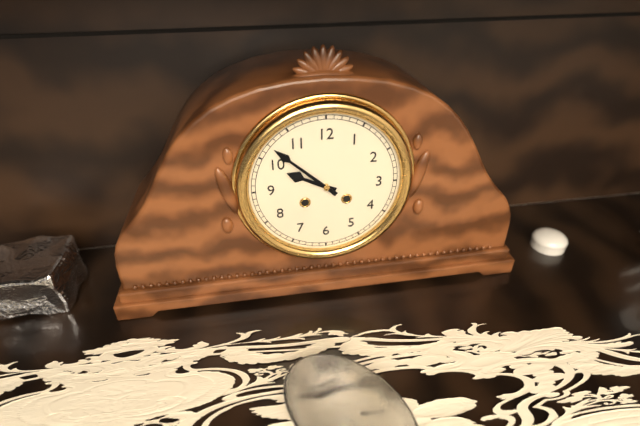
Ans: {"hour": 9, "minute": 52}
